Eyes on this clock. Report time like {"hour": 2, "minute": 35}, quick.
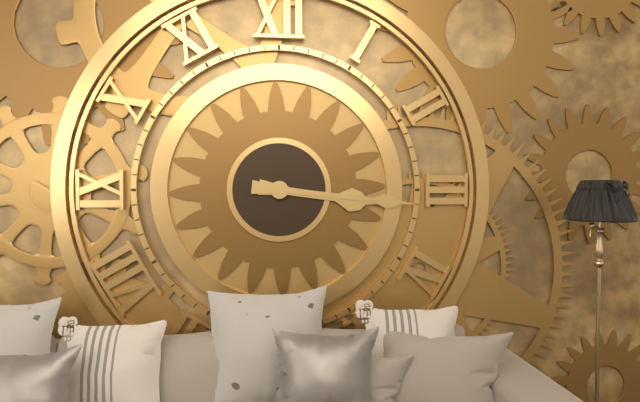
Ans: {"hour": 3, "minute": 16}
